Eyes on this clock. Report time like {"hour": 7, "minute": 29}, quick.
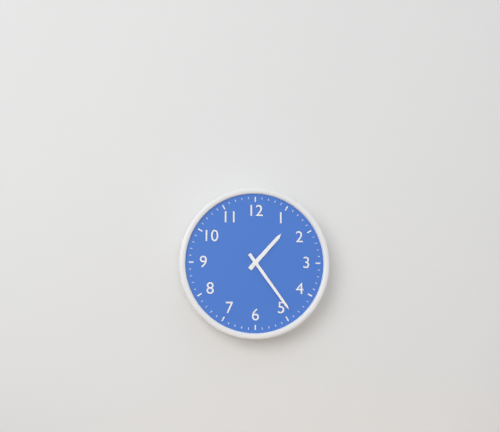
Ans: {"hour": 1, "minute": 24}
